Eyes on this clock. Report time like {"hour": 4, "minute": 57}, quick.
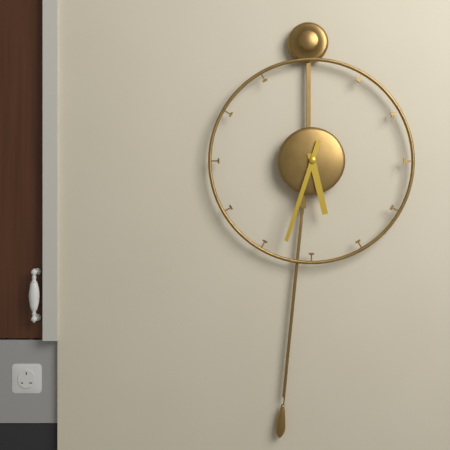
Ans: {"hour": 5, "minute": 33}
